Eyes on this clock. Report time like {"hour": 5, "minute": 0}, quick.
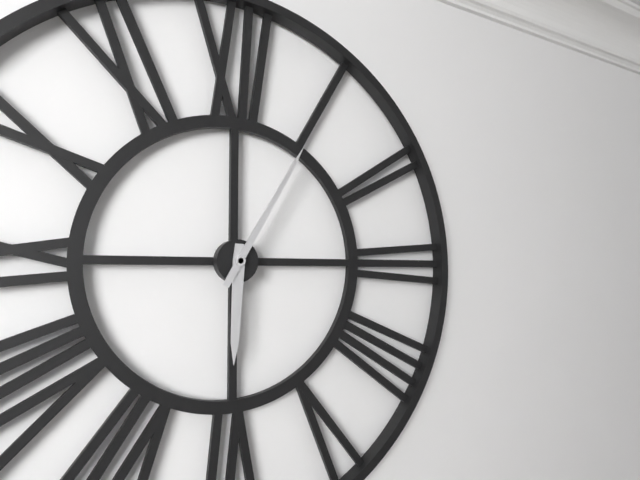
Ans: {"hour": 6, "minute": 5}
